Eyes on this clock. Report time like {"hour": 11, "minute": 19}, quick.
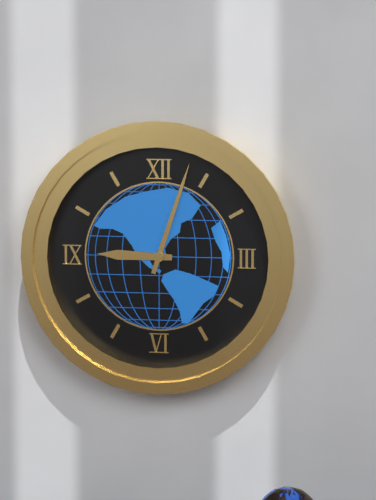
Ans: {"hour": 9, "minute": 3}
